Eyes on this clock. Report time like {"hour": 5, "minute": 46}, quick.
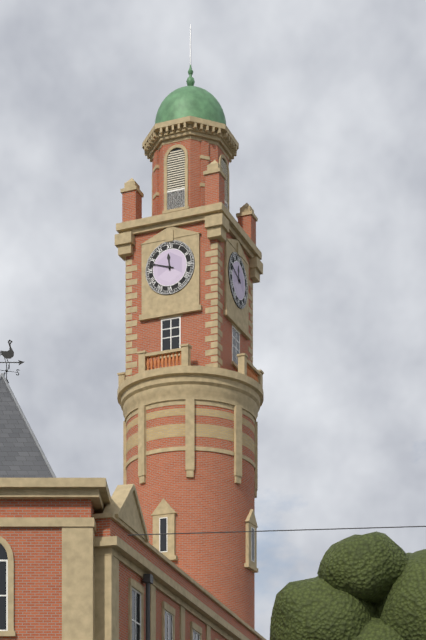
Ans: {"hour": 11, "minute": 48}
